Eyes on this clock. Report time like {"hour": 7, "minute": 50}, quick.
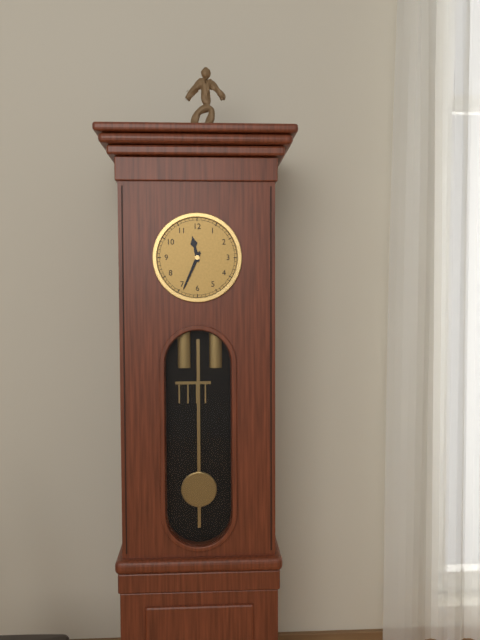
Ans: {"hour": 11, "minute": 34}
